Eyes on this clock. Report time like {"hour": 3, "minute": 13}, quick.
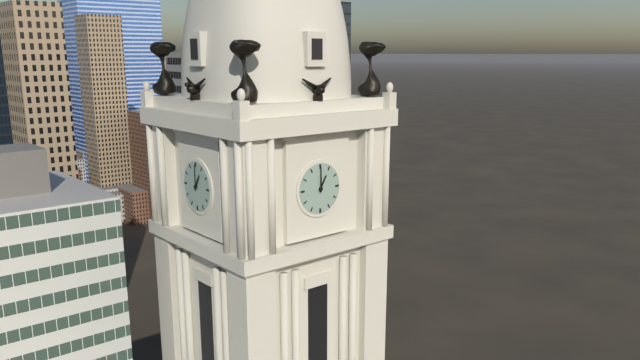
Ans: {"hour": 1, "minute": 0}
